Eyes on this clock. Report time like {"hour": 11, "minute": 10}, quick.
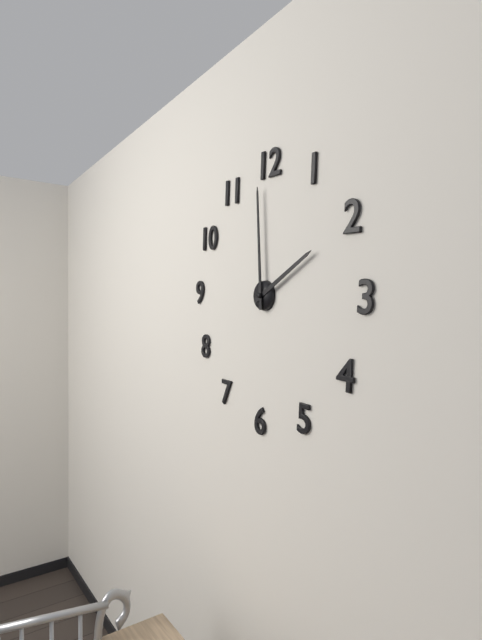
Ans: {"hour": 1, "minute": 59}
